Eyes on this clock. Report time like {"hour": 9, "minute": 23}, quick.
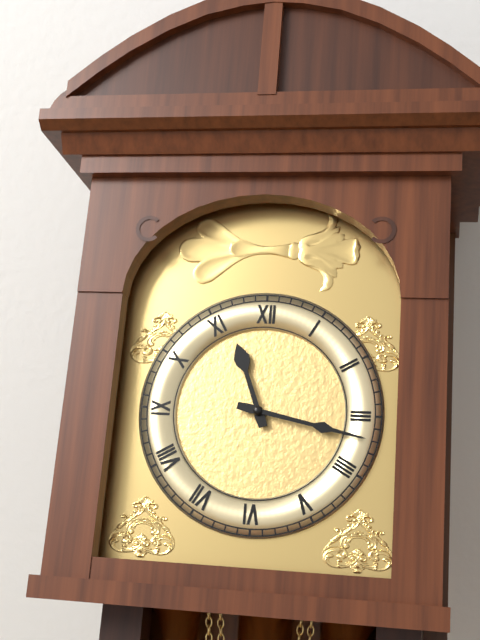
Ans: {"hour": 11, "minute": 17}
